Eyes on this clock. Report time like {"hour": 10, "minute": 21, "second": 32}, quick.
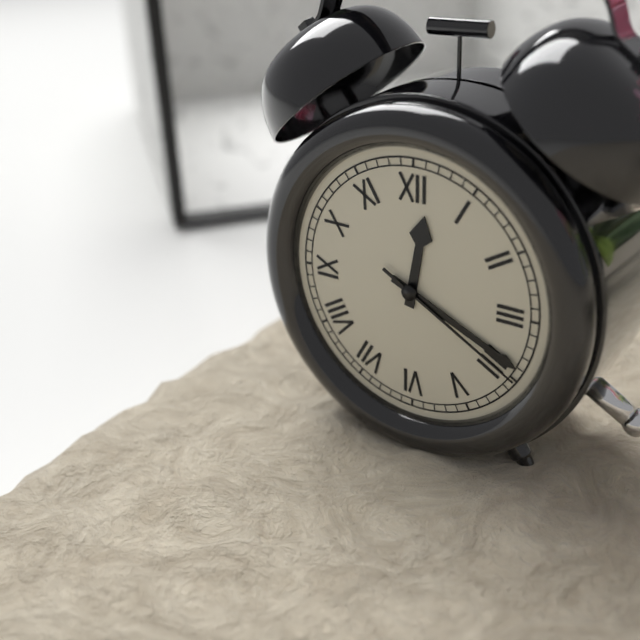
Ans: {"hour": 12, "minute": 19, "second": 20}
